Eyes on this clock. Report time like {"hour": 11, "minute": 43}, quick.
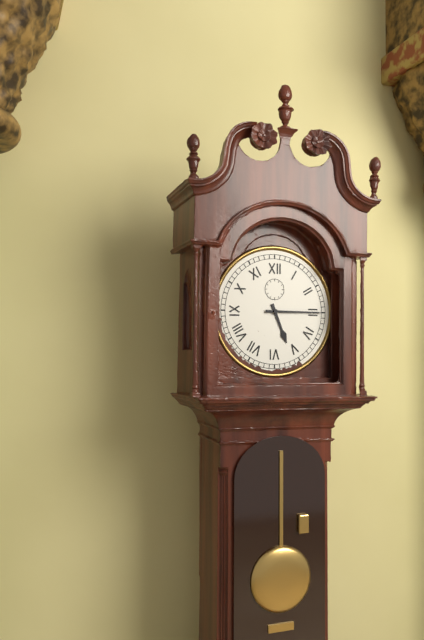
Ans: {"hour": 5, "minute": 15}
